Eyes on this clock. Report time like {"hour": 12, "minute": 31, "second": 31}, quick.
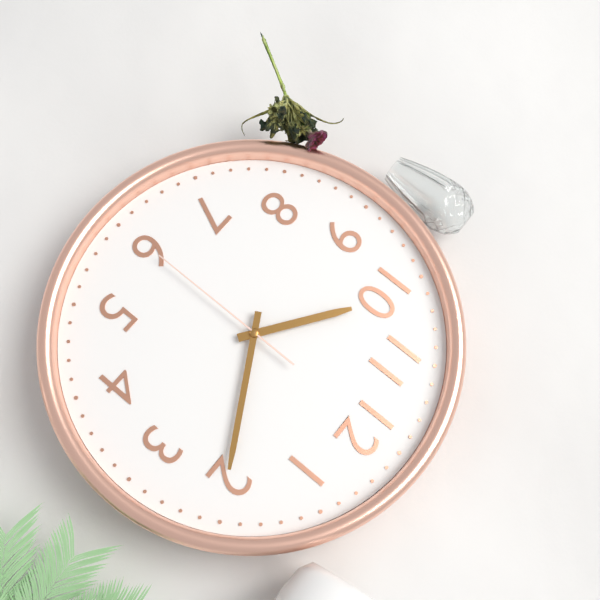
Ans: {"hour": 10, "minute": 10, "second": 30}
